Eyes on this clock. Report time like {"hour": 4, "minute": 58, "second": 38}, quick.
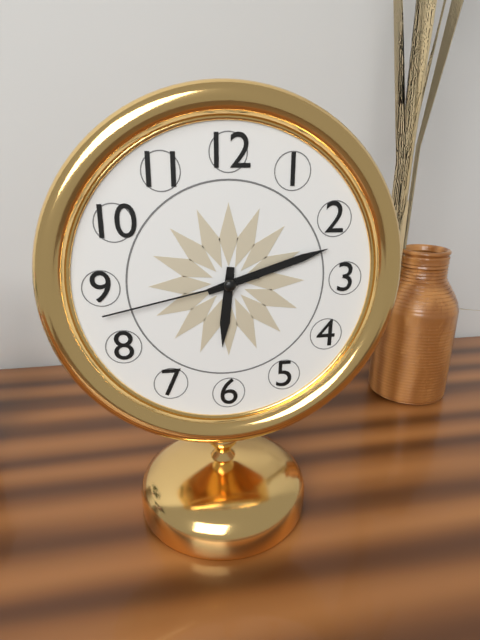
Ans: {"hour": 6, "minute": 12, "second": 43}
